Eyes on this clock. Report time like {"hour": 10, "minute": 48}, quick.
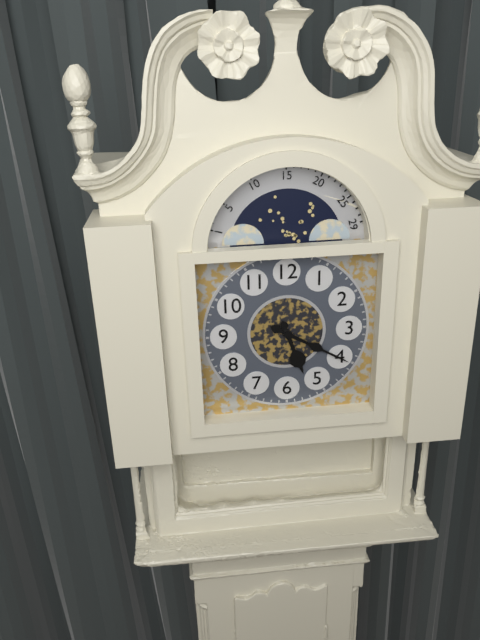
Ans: {"hour": 5, "minute": 20}
